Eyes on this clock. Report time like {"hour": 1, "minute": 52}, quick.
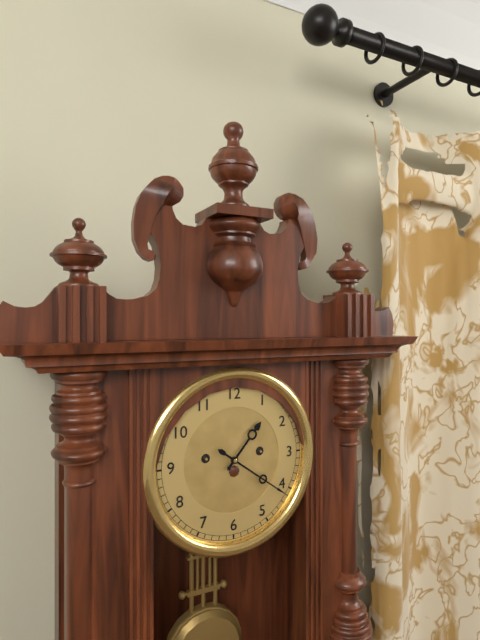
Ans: {"hour": 1, "minute": 21}
